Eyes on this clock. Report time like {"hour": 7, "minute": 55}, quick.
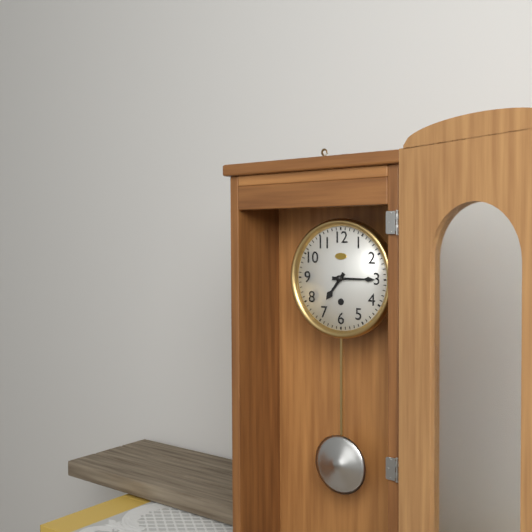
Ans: {"hour": 7, "minute": 15}
